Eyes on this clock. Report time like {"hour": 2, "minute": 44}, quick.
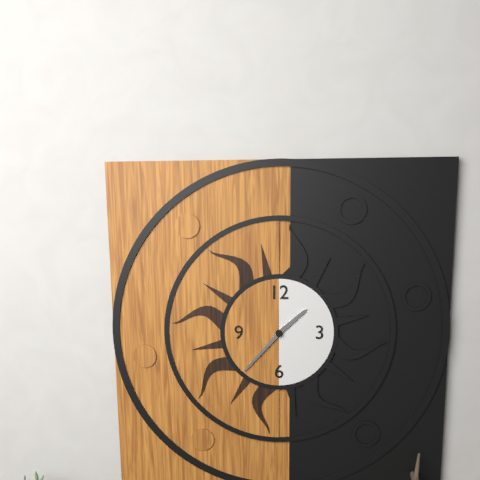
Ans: {"hour": 1, "minute": 37}
